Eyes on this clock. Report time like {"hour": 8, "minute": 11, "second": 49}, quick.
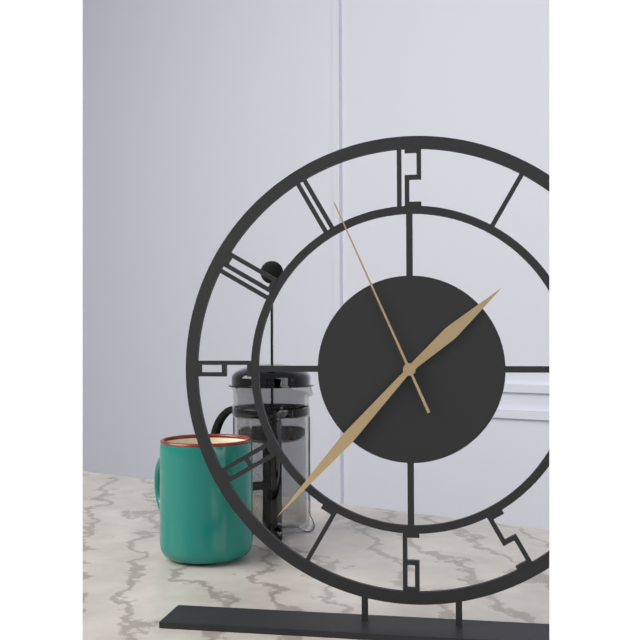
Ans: {"hour": 1, "minute": 37, "second": 56}
